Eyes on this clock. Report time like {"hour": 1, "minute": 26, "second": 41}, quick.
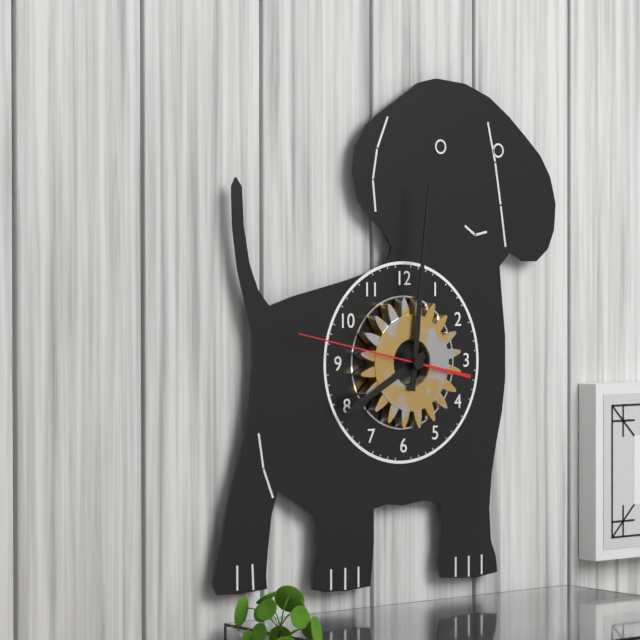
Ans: {"hour": 8, "minute": 1, "second": 47}
